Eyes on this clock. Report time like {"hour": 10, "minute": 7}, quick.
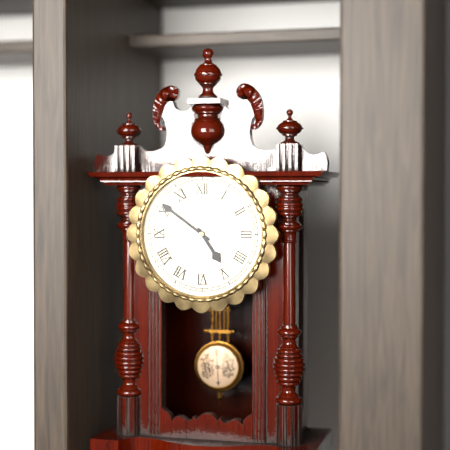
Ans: {"hour": 4, "minute": 51}
